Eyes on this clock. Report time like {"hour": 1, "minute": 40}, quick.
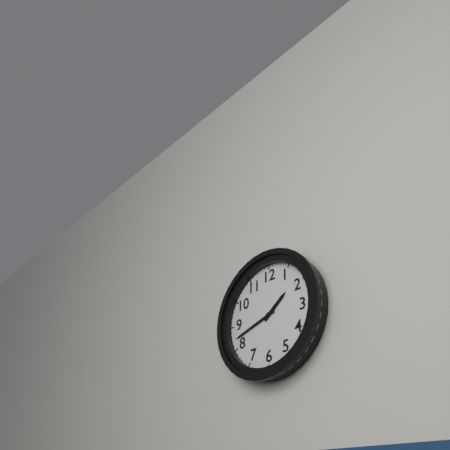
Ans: {"hour": 1, "minute": 42}
